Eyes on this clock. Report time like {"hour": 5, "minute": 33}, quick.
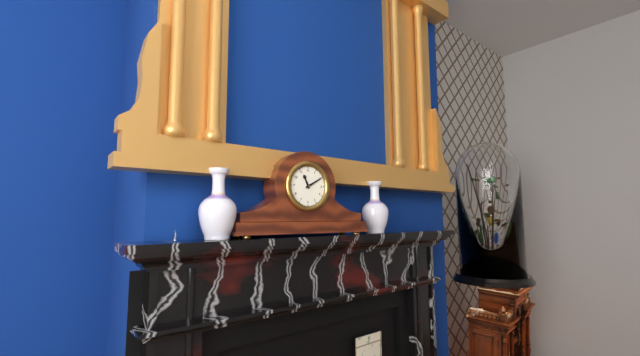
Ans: {"hour": 11, "minute": 10}
